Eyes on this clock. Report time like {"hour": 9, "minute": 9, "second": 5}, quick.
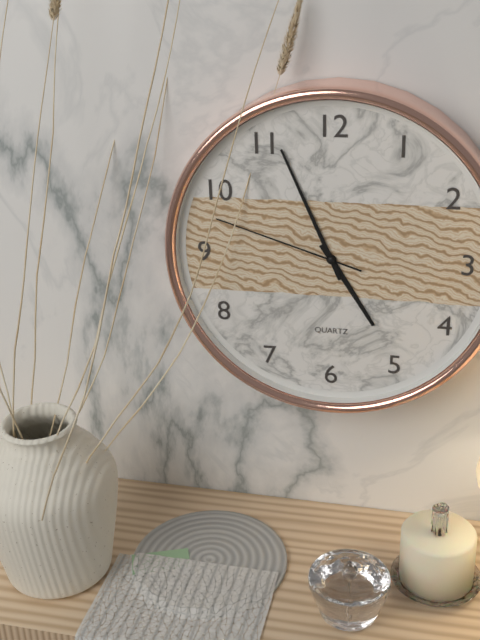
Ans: {"hour": 4, "minute": 56, "second": 48}
